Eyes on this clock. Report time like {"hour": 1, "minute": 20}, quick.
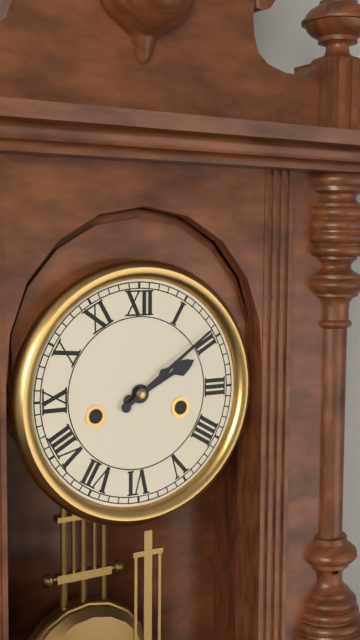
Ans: {"hour": 2, "minute": 9}
